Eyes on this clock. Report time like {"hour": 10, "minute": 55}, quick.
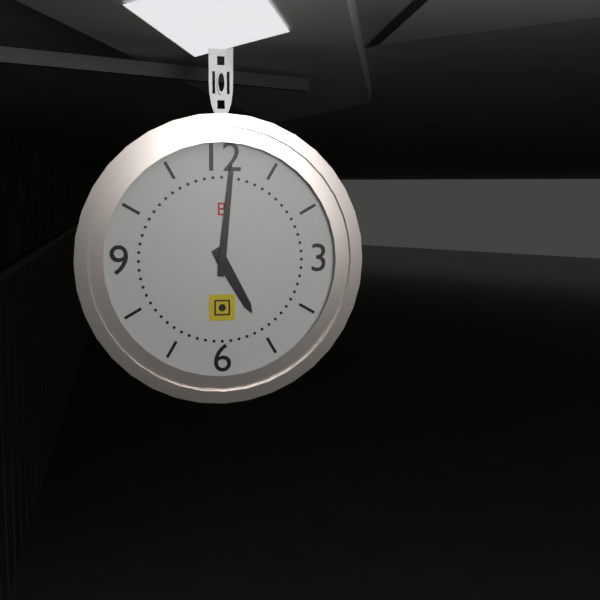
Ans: {"hour": 5, "minute": 1}
